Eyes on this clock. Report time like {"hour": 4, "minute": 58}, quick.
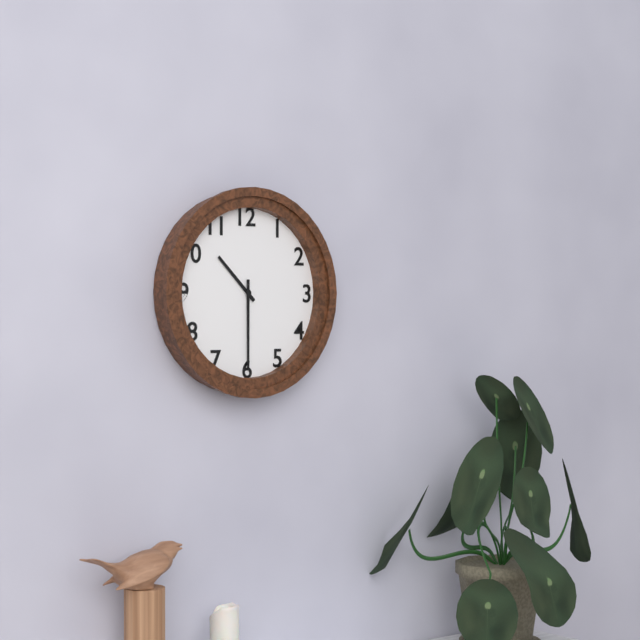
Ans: {"hour": 10, "minute": 30}
